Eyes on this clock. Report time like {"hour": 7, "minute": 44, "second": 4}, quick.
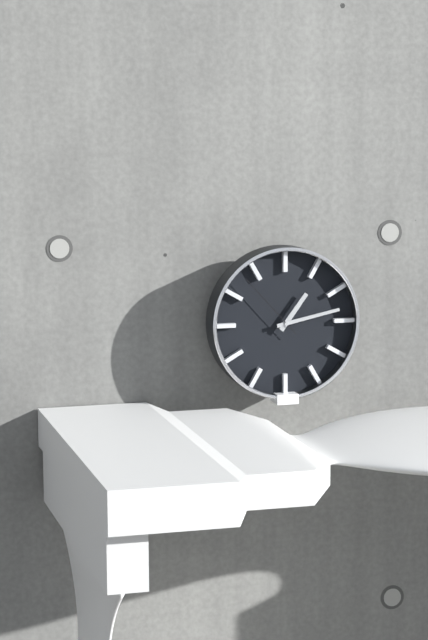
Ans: {"hour": 1, "minute": 13, "second": 53}
